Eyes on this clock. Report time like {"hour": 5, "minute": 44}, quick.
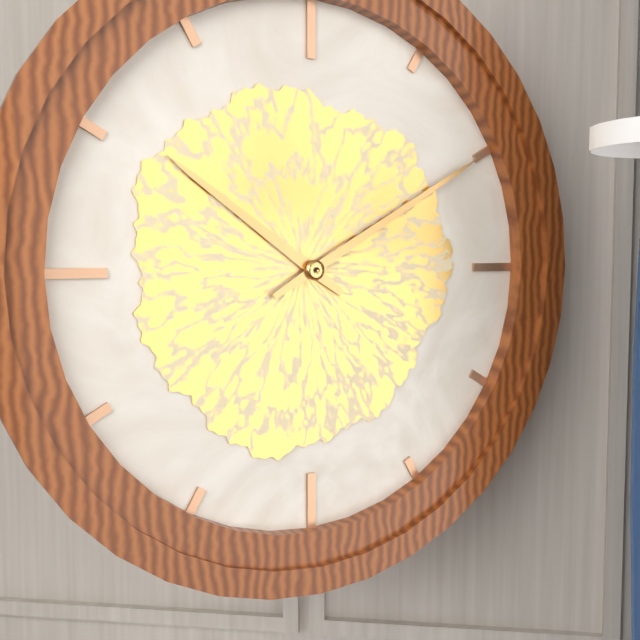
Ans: {"hour": 10, "minute": 10}
